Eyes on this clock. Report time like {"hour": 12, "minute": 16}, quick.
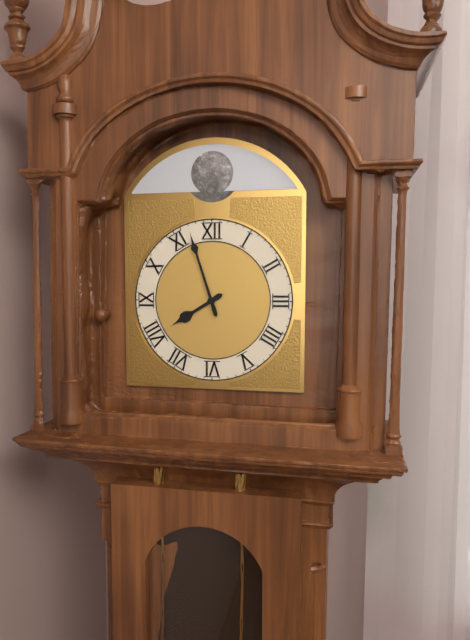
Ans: {"hour": 7, "minute": 57}
